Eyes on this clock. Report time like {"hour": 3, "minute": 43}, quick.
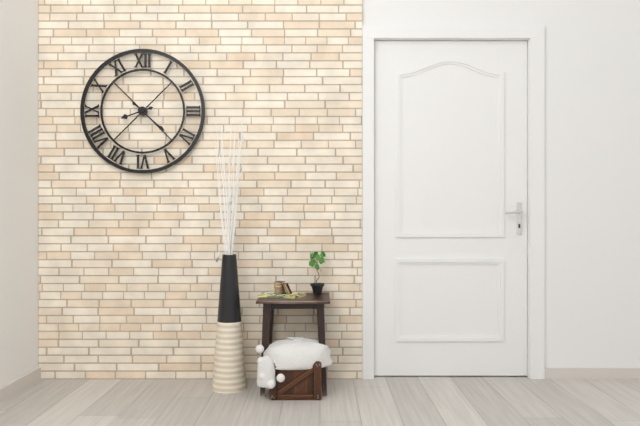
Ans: {"hour": 8, "minute": 22}
